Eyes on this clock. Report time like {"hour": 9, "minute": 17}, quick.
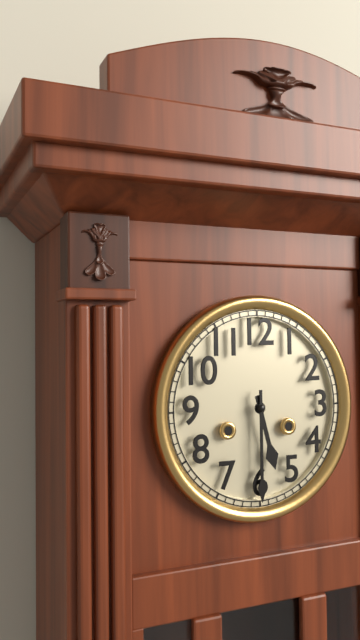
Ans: {"hour": 5, "minute": 30}
